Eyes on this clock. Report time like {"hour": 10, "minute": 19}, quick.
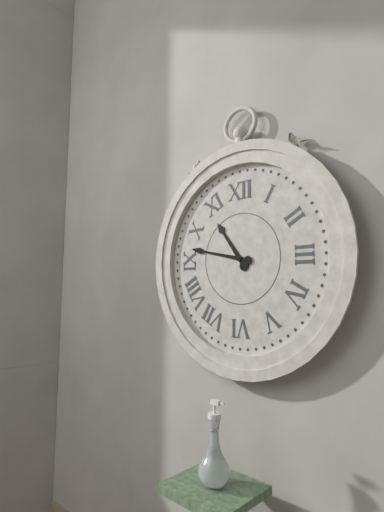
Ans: {"hour": 10, "minute": 47}
